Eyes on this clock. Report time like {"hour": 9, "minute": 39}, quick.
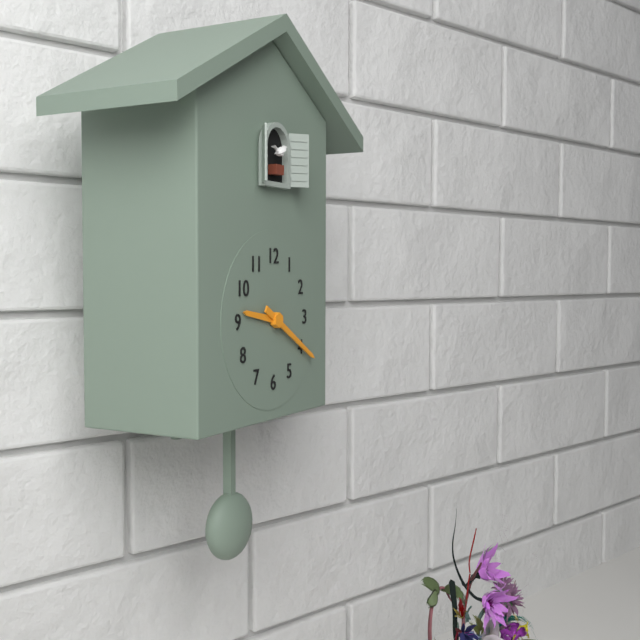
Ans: {"hour": 9, "minute": 20}
